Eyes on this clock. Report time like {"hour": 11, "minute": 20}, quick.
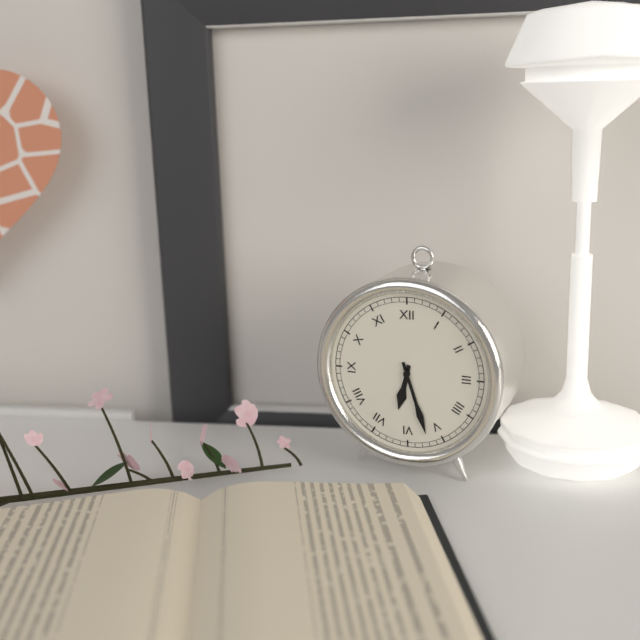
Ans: {"hour": 6, "minute": 27}
